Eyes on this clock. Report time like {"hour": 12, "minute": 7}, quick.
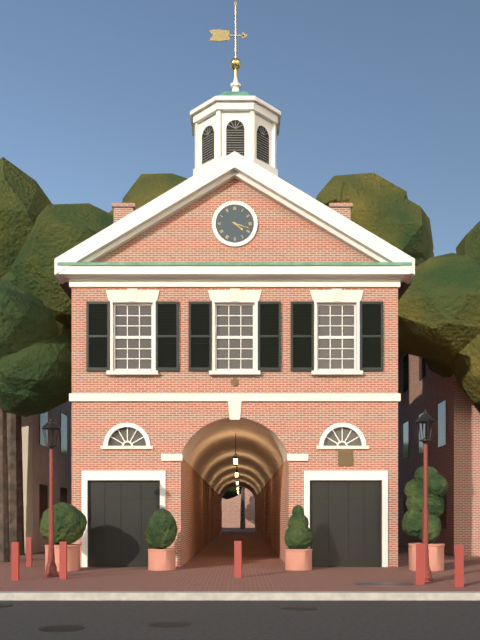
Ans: {"hour": 4, "minute": 18}
